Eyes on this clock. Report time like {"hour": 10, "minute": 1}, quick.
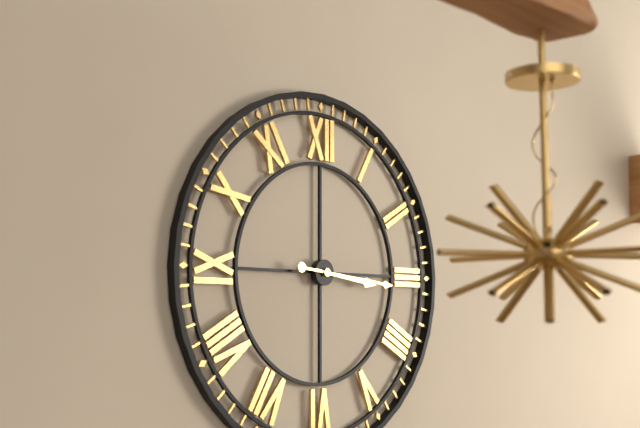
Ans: {"hour": 3, "minute": 16}
